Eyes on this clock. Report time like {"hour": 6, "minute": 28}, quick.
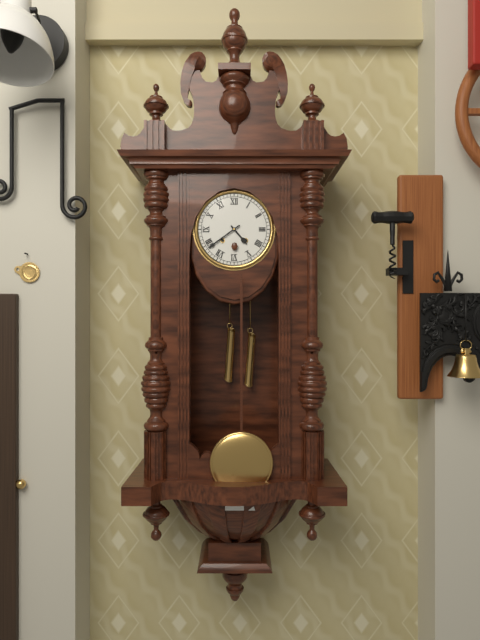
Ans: {"hour": 4, "minute": 39}
